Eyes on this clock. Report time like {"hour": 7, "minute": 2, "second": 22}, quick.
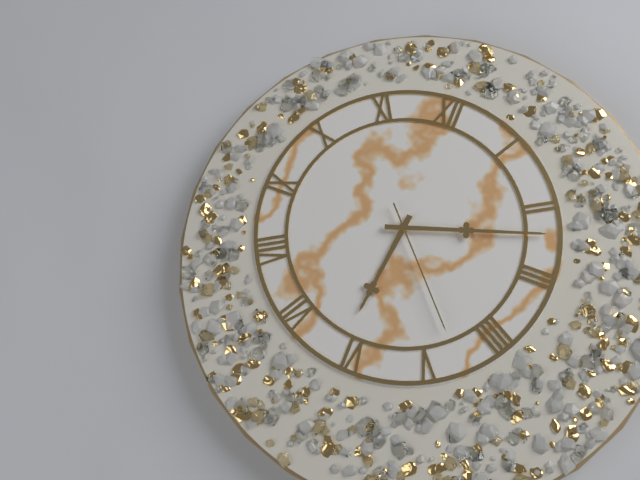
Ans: {"hour": 6, "minute": 12, "second": 23}
